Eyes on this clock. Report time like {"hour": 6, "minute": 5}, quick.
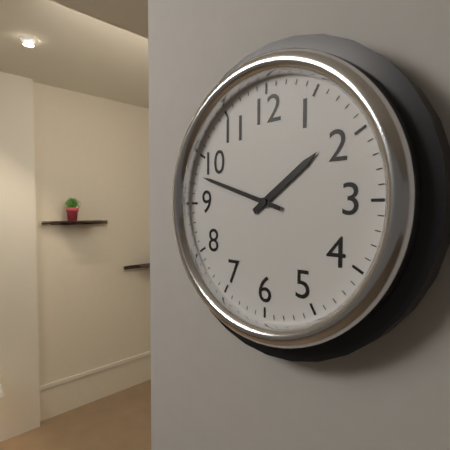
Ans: {"hour": 1, "minute": 48}
